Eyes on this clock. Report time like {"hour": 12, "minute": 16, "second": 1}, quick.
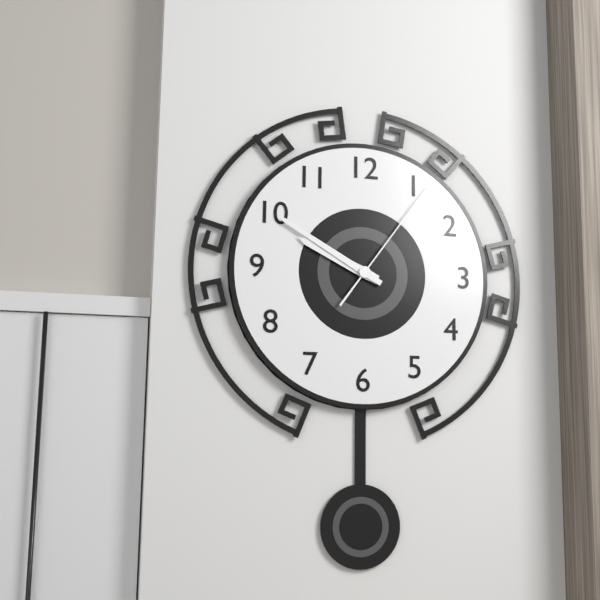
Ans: {"hour": 9, "minute": 50, "second": 6}
